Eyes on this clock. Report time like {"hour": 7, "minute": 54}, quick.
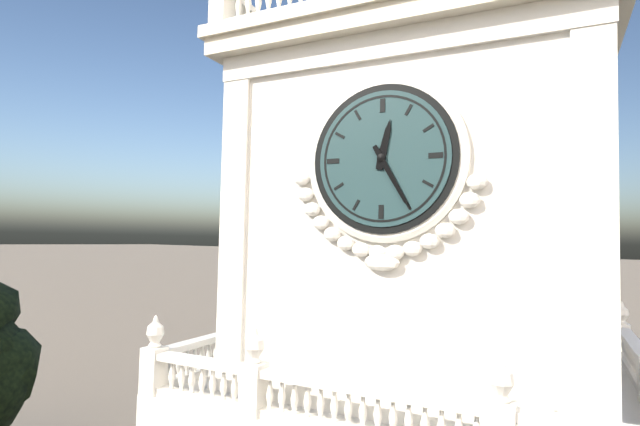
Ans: {"hour": 12, "minute": 25}
